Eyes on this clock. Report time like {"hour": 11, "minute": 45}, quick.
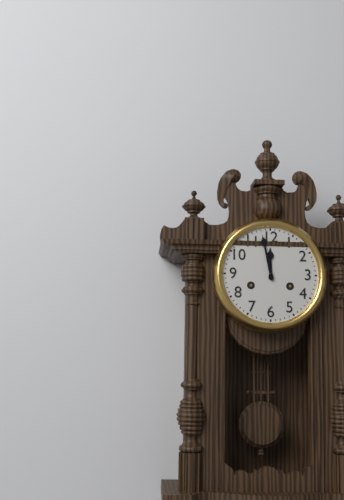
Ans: {"hour": 11, "minute": 58}
